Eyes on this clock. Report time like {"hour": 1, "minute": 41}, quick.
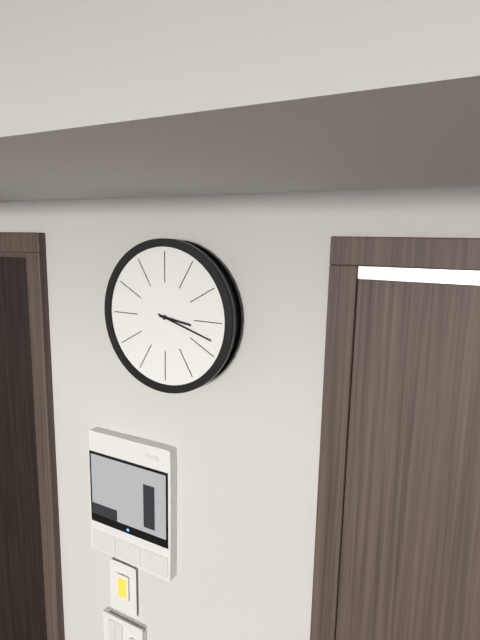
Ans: {"hour": 3, "minute": 18}
